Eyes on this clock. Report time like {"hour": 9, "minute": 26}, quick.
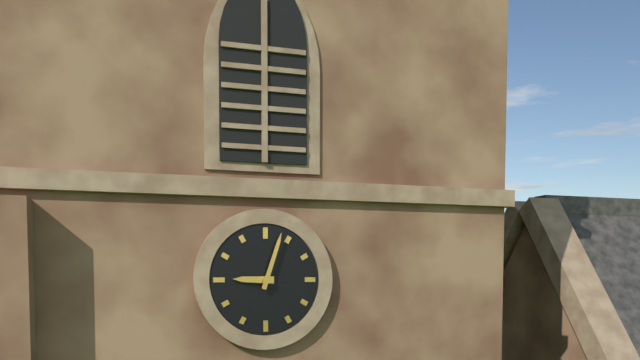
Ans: {"hour": 9, "minute": 3}
